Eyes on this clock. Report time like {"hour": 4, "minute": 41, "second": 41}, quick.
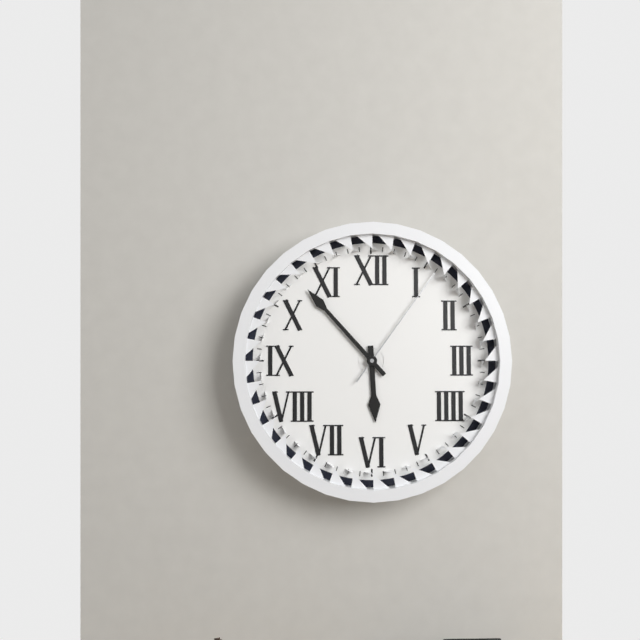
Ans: {"hour": 5, "minute": 53, "second": 6}
